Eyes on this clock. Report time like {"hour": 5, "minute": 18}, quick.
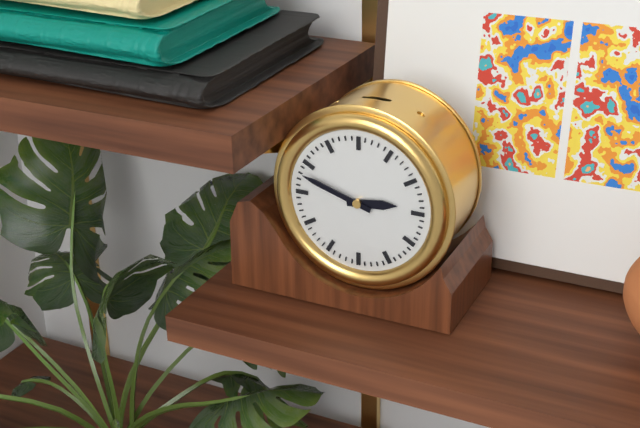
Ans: {"hour": 2, "minute": 48}
